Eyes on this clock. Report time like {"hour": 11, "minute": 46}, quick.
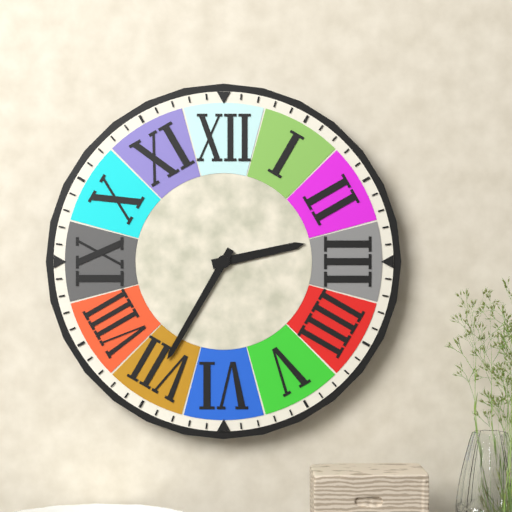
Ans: {"hour": 2, "minute": 35}
